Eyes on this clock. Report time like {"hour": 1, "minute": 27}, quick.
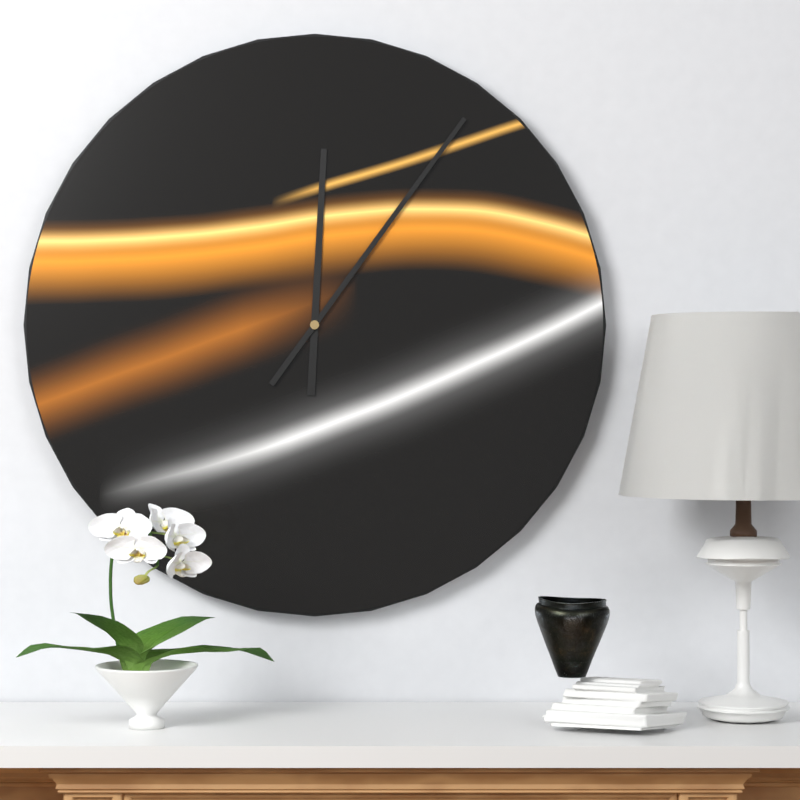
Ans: {"hour": 12, "minute": 6}
